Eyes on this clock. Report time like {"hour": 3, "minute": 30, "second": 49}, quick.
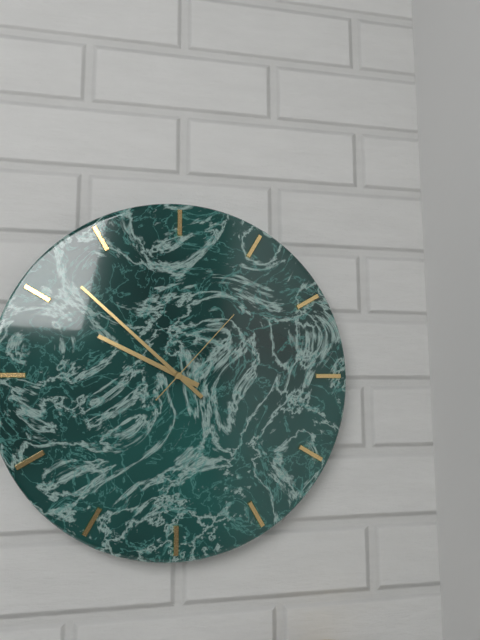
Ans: {"hour": 9, "minute": 52, "second": 7}
